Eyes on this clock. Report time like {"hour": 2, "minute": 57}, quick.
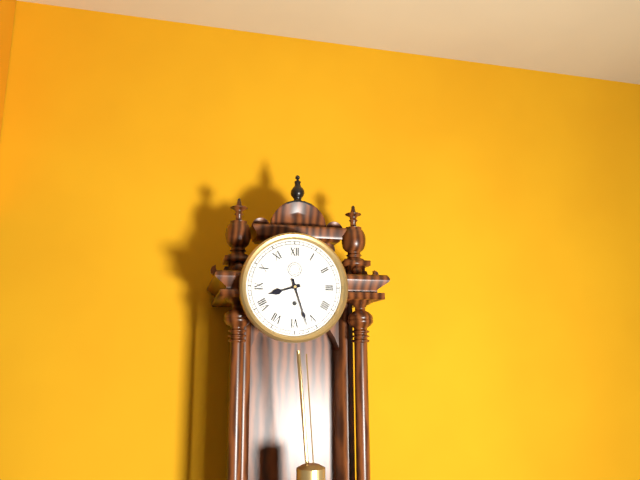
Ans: {"hour": 8, "minute": 27}
